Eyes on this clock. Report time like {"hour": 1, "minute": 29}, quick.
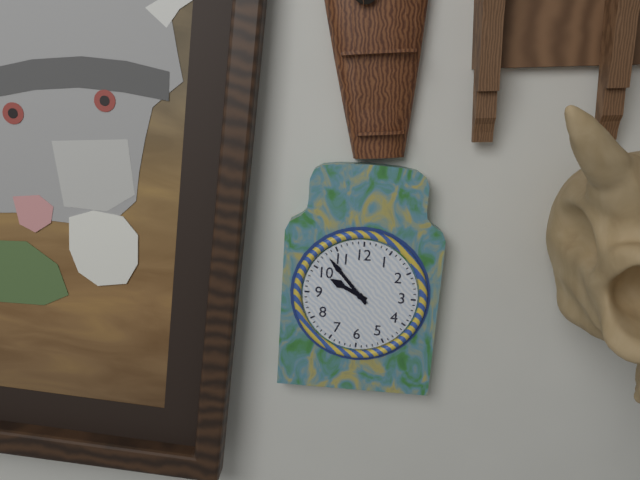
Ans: {"hour": 9, "minute": 53}
